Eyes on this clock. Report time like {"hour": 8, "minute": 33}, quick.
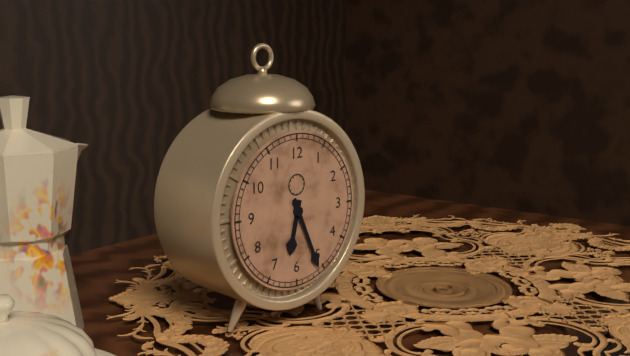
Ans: {"hour": 6, "minute": 26}
